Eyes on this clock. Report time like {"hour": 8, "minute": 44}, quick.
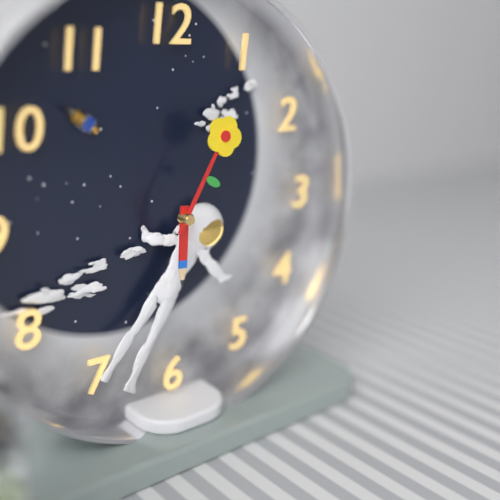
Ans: {"hour": 6, "minute": 5}
